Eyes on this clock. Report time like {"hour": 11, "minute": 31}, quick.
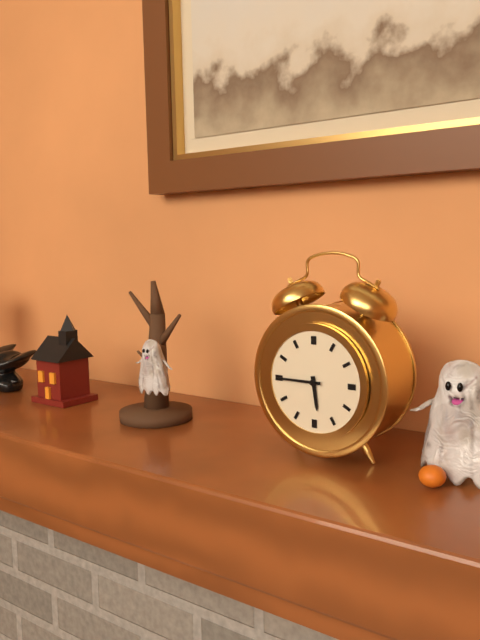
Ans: {"hour": 5, "minute": 45}
